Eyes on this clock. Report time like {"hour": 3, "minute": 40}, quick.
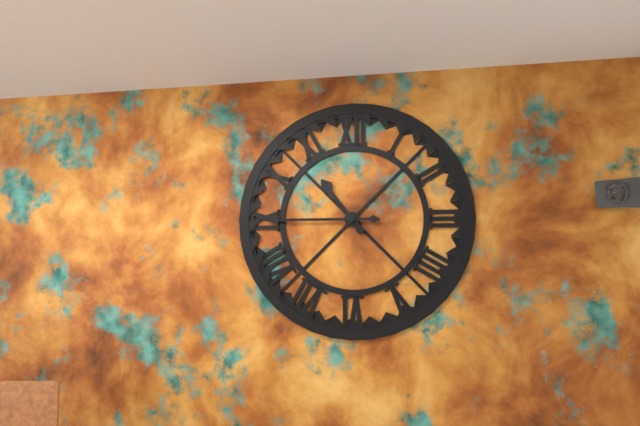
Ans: {"hour": 10, "minute": 45}
